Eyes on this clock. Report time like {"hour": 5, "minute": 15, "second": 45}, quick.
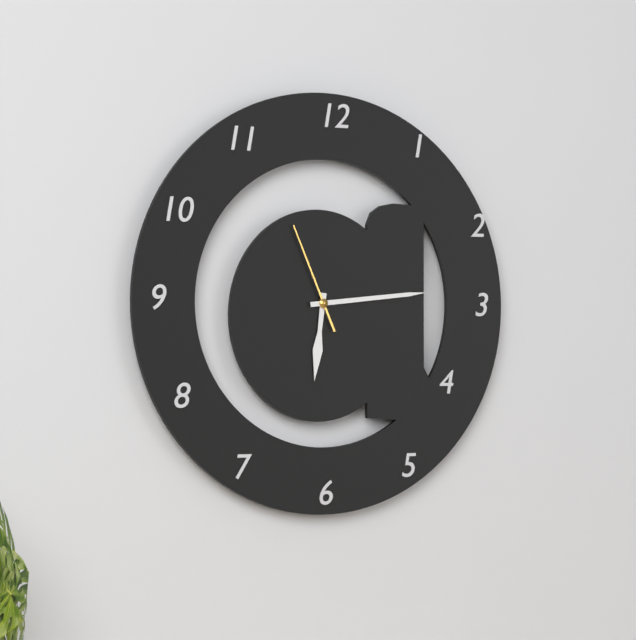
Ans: {"hour": 6, "minute": 14, "second": 56}
